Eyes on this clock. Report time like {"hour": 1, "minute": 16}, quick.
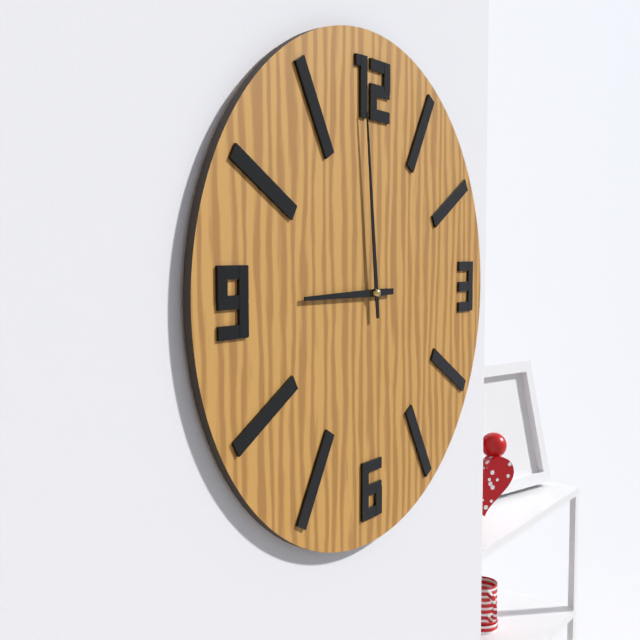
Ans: {"hour": 8, "minute": 59}
